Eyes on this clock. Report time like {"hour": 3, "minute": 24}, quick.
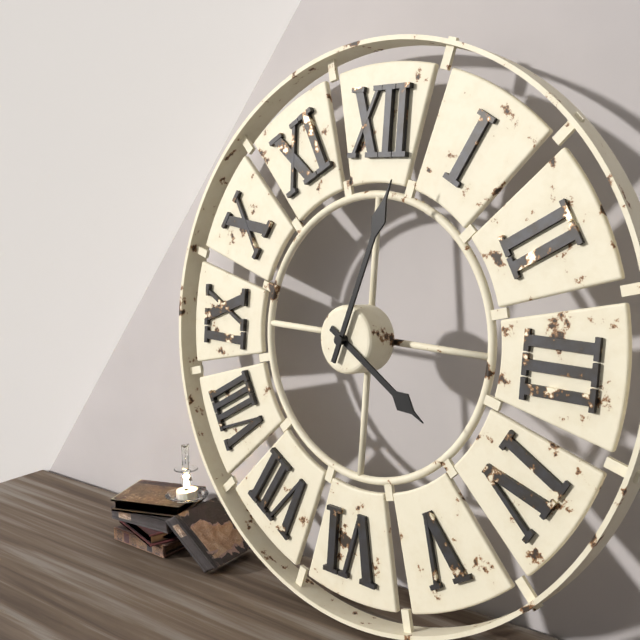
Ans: {"hour": 4, "minute": 3}
